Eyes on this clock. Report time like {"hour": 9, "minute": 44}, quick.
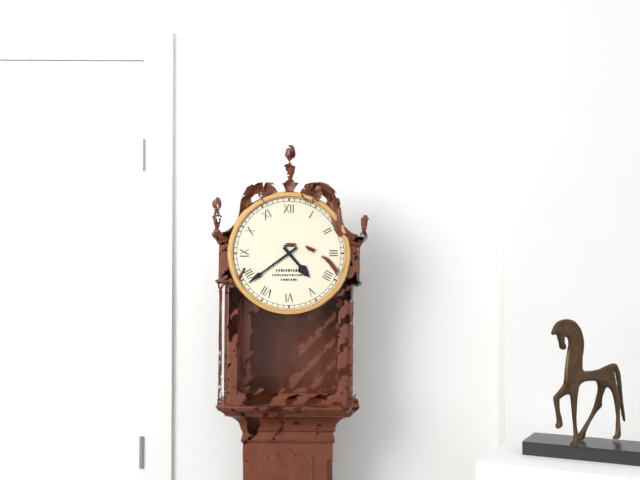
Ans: {"hour": 4, "minute": 39}
